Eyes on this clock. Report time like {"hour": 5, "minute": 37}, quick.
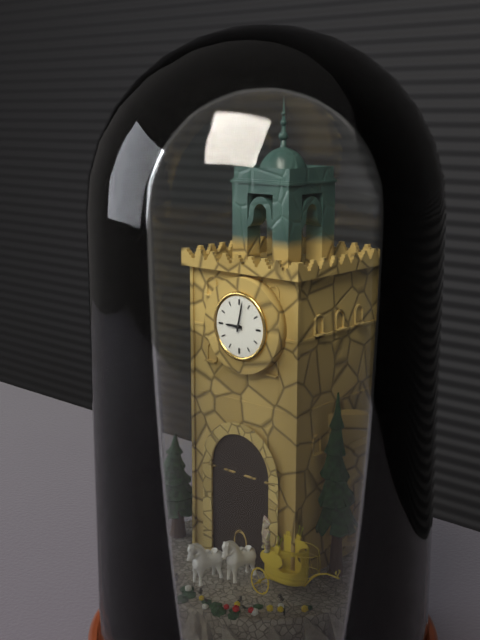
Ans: {"hour": 9, "minute": 2}
